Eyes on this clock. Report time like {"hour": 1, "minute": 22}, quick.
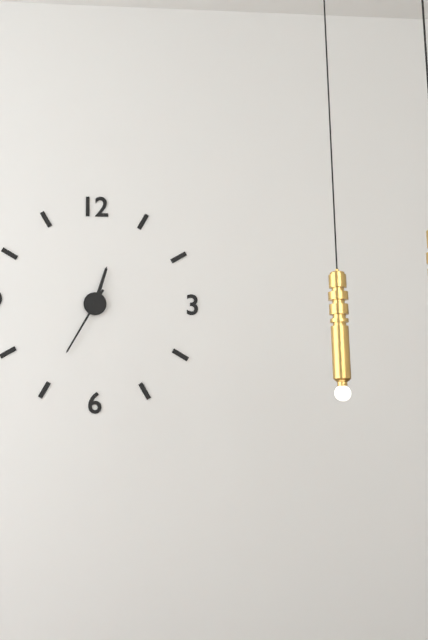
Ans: {"hour": 12, "minute": 35}
